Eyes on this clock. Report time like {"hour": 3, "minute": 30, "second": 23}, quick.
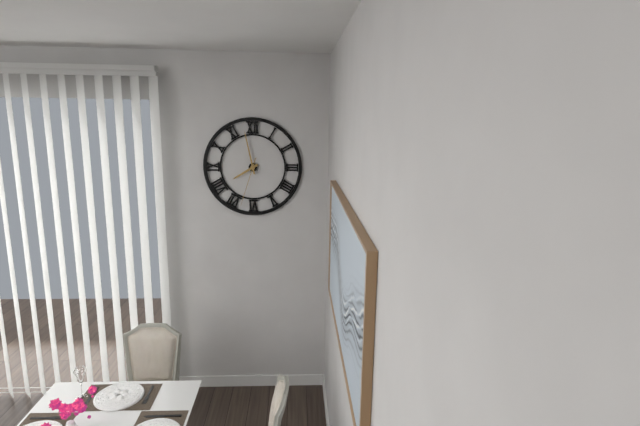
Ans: {"hour": 7, "minute": 58, "second": 33}
